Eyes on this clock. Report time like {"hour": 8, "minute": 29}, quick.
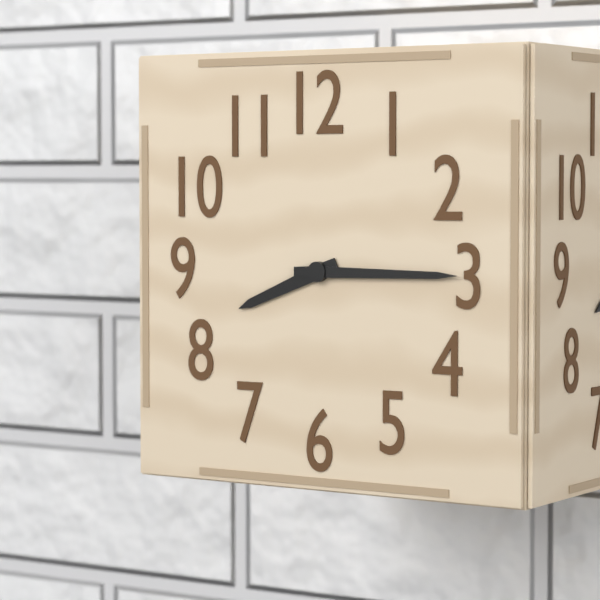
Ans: {"hour": 8, "minute": 15}
